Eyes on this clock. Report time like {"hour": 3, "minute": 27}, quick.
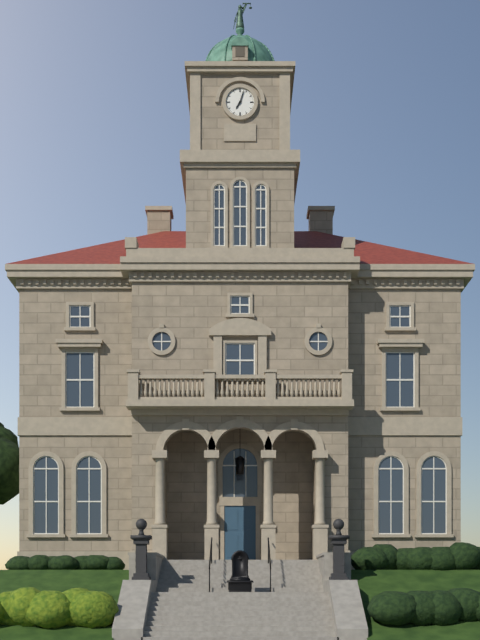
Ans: {"hour": 7, "minute": 3}
